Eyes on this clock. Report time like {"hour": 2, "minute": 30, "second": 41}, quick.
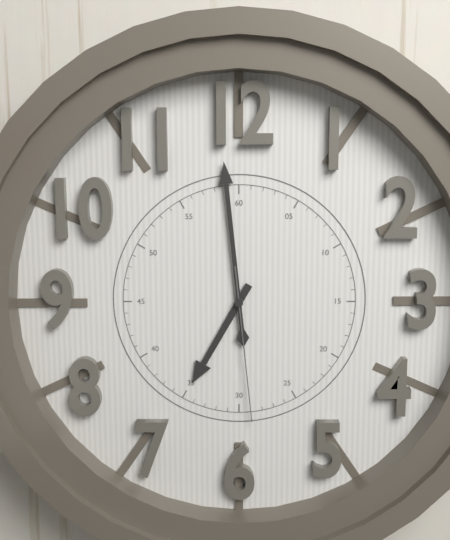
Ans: {"hour": 6, "minute": 59, "second": 29}
